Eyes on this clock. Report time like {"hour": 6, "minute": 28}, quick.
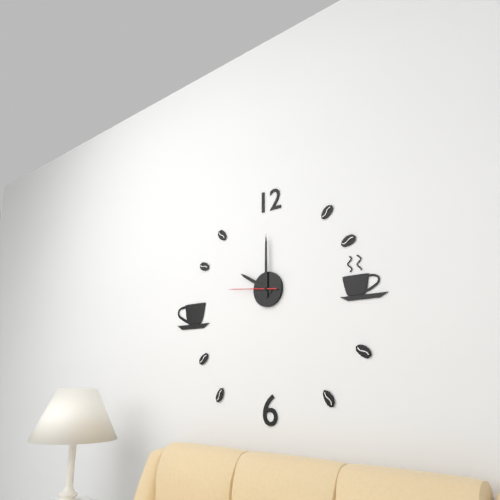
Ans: {"hour": 10, "minute": 0}
